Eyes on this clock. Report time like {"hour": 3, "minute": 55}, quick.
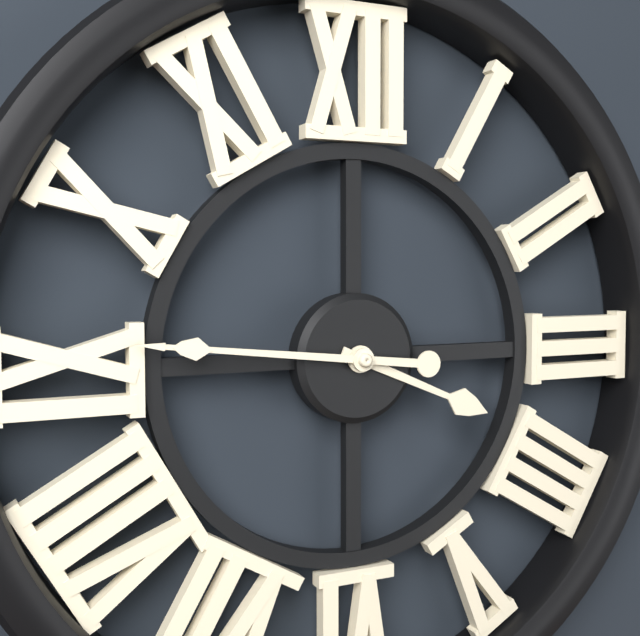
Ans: {"hour": 3, "minute": 46}
